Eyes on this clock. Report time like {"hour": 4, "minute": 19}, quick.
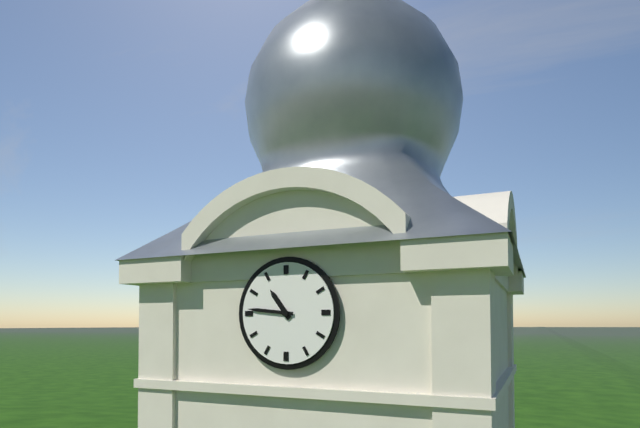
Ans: {"hour": 10, "minute": 46}
